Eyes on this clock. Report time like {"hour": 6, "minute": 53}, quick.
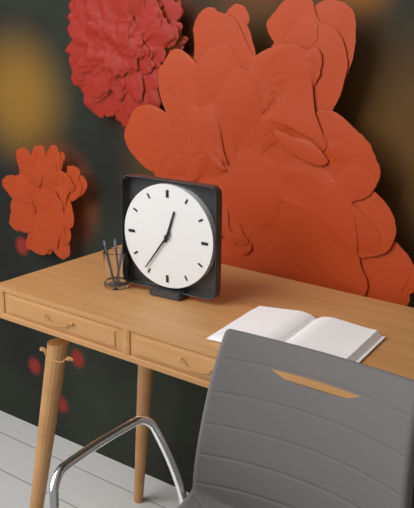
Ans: {"hour": 12, "minute": 36}
